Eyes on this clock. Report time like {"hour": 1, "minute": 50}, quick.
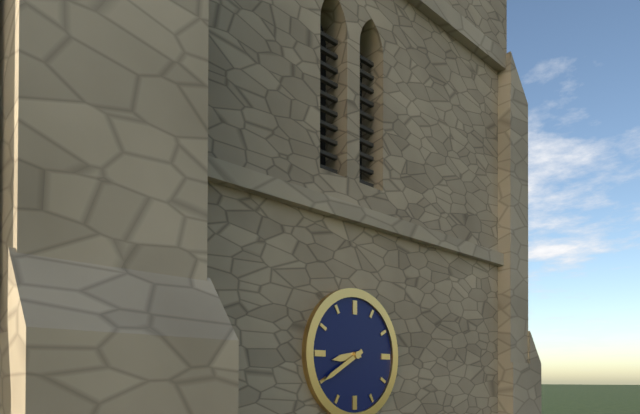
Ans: {"hour": 8, "minute": 40}
